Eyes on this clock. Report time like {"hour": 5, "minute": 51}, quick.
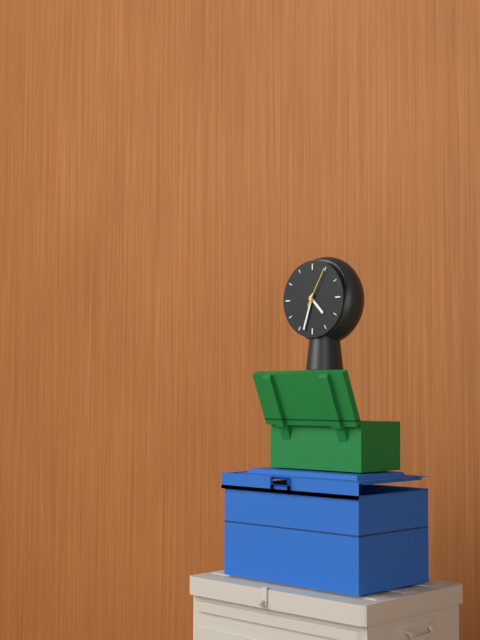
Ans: {"hour": 4, "minute": 33}
